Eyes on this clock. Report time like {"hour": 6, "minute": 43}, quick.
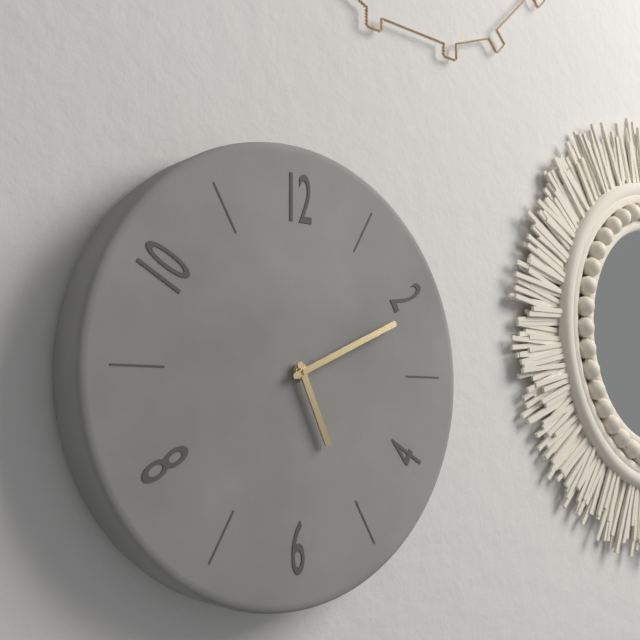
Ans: {"hour": 5, "minute": 11}
